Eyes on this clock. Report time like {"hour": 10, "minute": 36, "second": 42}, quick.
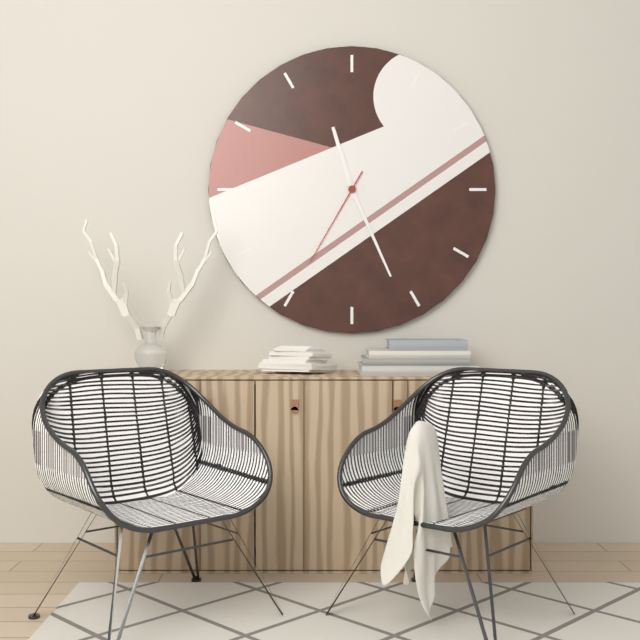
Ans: {"hour": 11, "minute": 26, "second": 35}
